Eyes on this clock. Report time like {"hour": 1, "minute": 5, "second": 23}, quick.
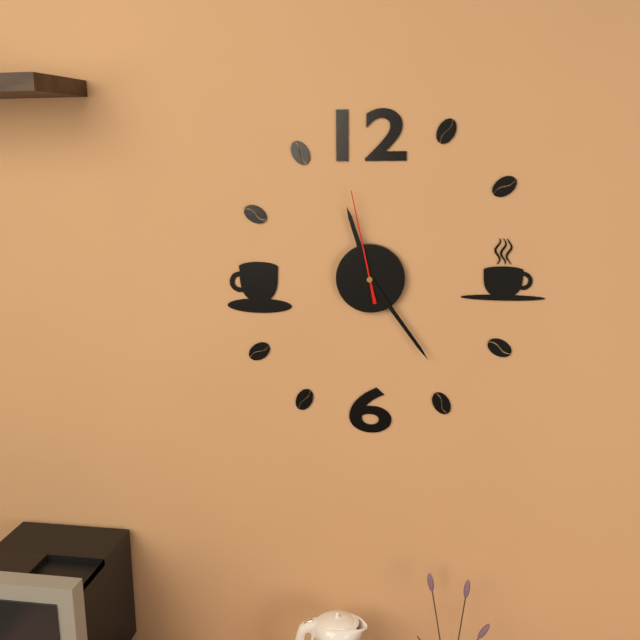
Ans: {"hour": 11, "minute": 24, "second": 58}
